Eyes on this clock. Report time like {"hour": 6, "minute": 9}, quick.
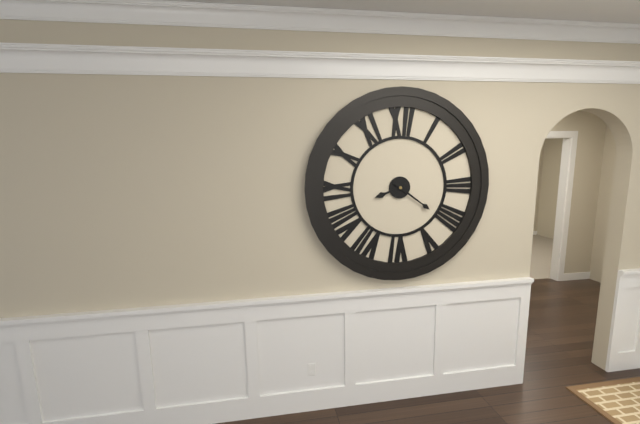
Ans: {"hour": 8, "minute": 21}
